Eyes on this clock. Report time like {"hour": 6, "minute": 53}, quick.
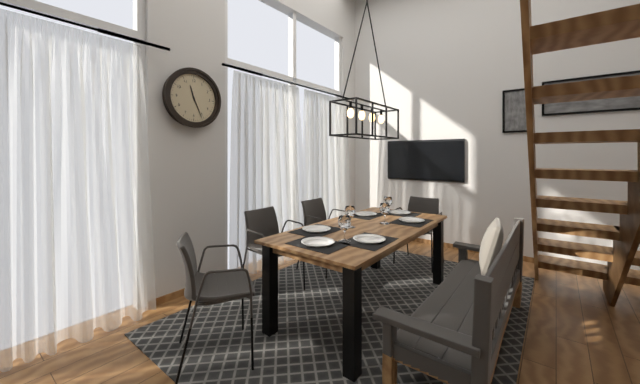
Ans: {"hour": 11, "minute": 26}
